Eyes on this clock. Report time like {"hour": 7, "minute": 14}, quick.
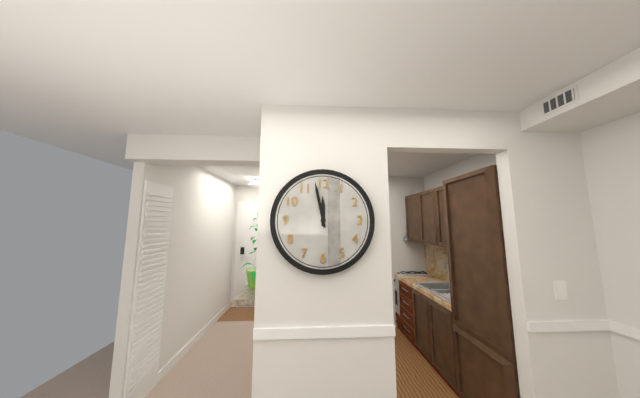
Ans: {"hour": 11, "minute": 58}
